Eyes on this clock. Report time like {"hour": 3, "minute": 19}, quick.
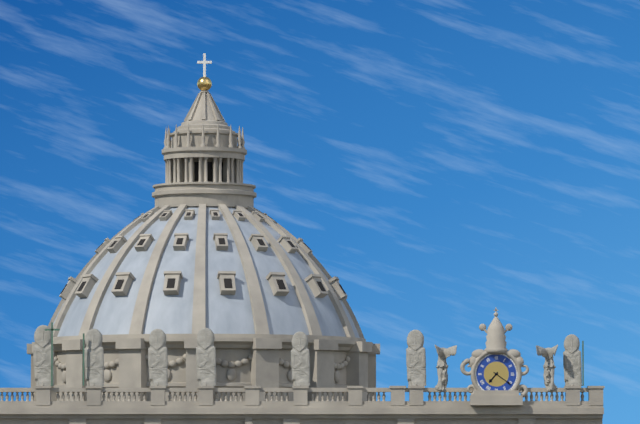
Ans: {"hour": 7, "minute": 21}
